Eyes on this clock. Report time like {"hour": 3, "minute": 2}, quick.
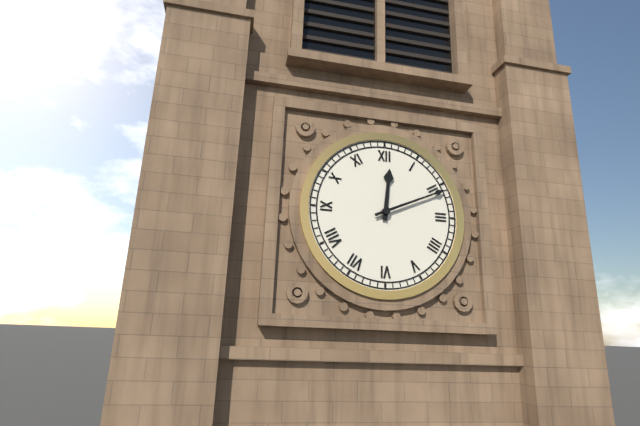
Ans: {"hour": 12, "minute": 11}
